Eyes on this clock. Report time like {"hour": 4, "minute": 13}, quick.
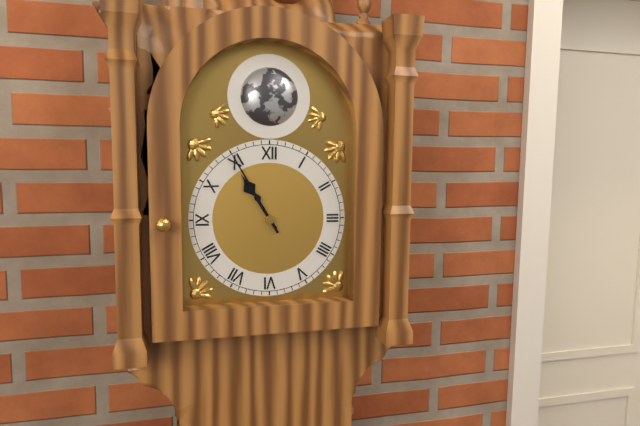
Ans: {"hour": 10, "minute": 55}
